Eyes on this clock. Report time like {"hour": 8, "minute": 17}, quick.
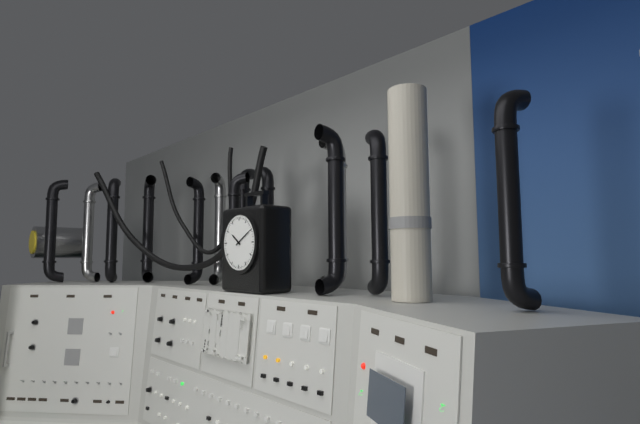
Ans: {"hour": 10, "minute": 10}
